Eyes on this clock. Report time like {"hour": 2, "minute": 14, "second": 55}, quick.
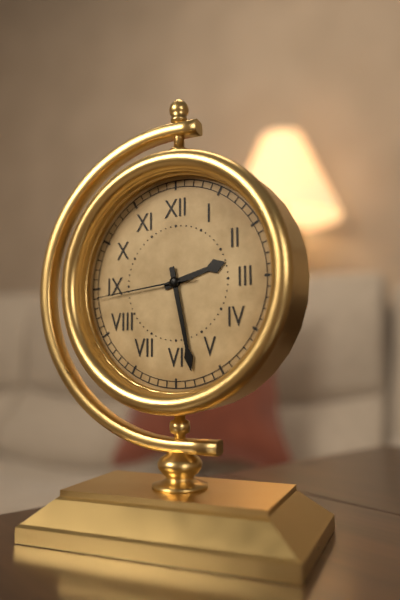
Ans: {"hour": 2, "minute": 28, "second": 44}
